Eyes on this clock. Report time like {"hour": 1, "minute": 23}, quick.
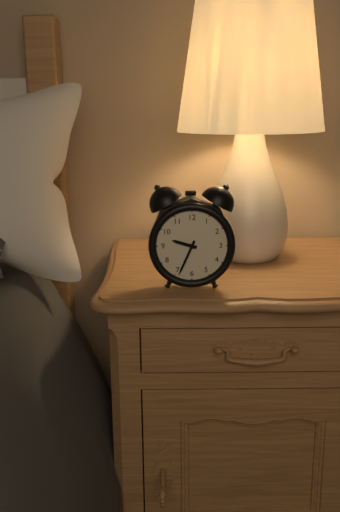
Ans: {"hour": 9, "minute": 34}
